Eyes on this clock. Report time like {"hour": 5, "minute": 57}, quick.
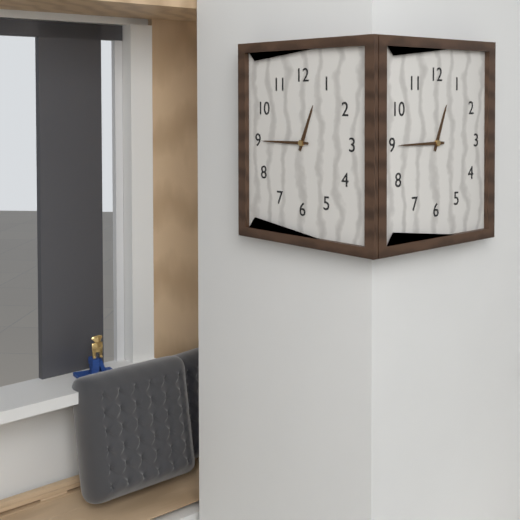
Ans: {"hour": 12, "minute": 45}
